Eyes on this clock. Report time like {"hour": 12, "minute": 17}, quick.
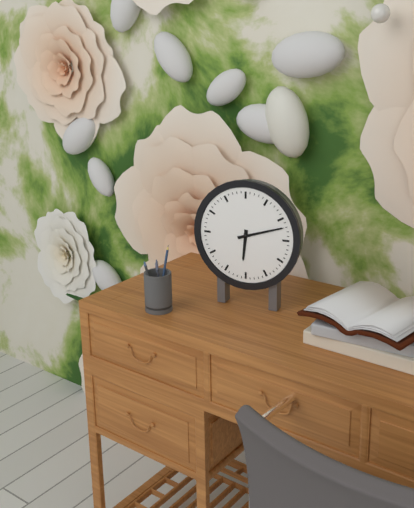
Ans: {"hour": 6, "minute": 12}
